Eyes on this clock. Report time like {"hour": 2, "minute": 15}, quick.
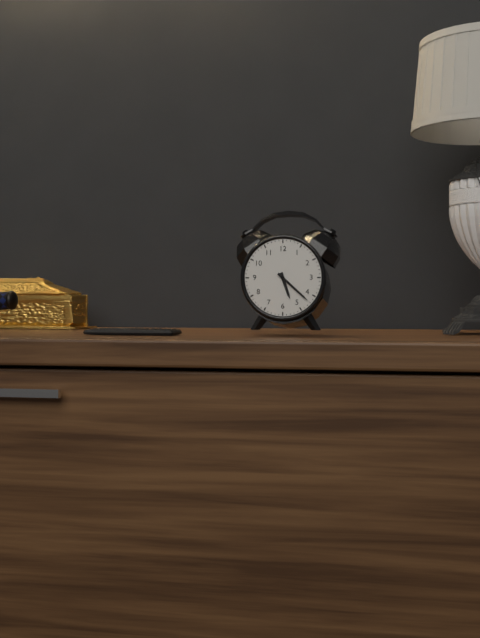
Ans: {"hour": 5, "minute": 22}
